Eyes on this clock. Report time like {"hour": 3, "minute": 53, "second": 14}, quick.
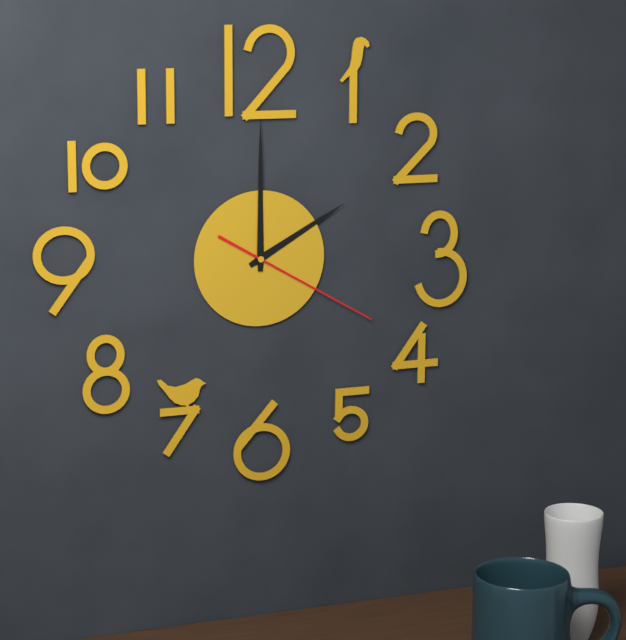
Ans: {"hour": 2, "minute": 0, "second": 20}
